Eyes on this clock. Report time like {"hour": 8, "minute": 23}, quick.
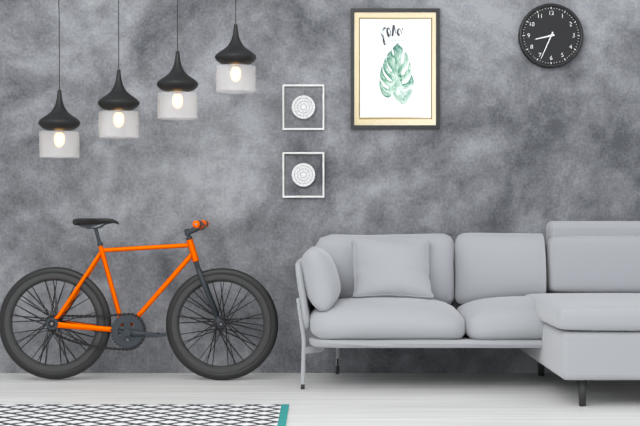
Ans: {"hour": 8, "minute": 34}
